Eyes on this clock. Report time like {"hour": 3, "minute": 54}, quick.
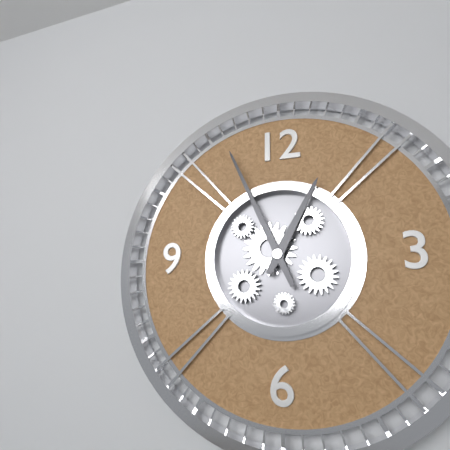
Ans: {"hour": 12, "minute": 56}
